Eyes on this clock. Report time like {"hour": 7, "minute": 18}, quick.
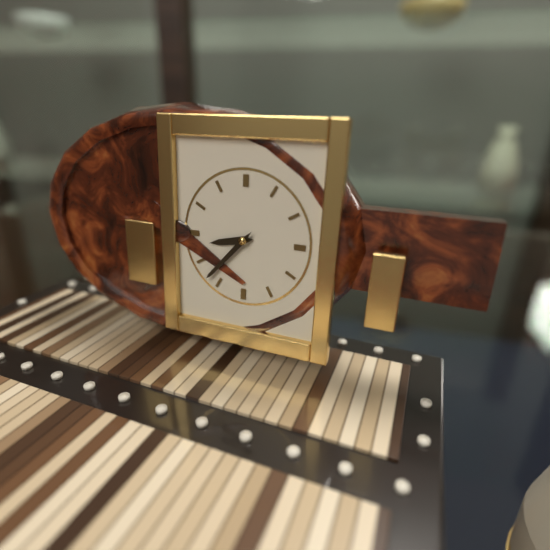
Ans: {"hour": 8, "minute": 37}
